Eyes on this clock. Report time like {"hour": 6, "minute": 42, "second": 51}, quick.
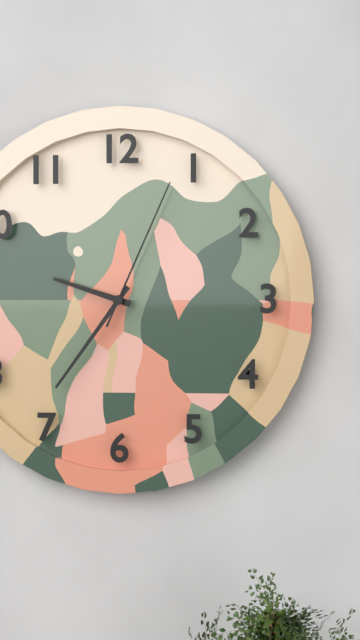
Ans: {"hour": 9, "minute": 36, "second": 4}
